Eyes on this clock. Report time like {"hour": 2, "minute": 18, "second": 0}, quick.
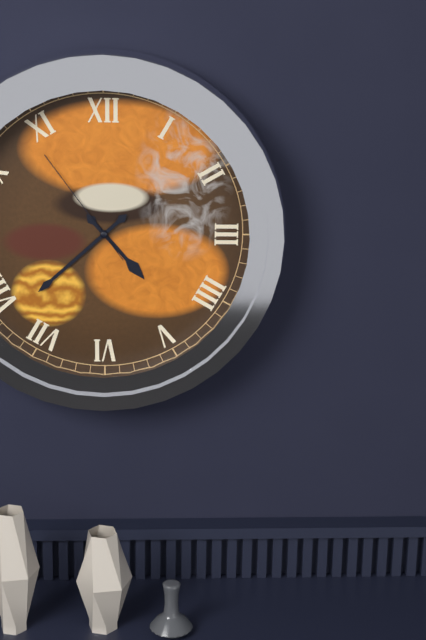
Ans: {"hour": 4, "minute": 38, "second": 54}
